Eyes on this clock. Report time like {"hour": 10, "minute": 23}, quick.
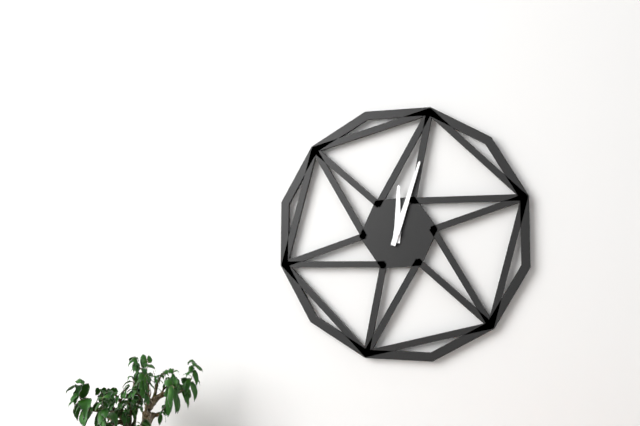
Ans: {"hour": 12, "minute": 3}
